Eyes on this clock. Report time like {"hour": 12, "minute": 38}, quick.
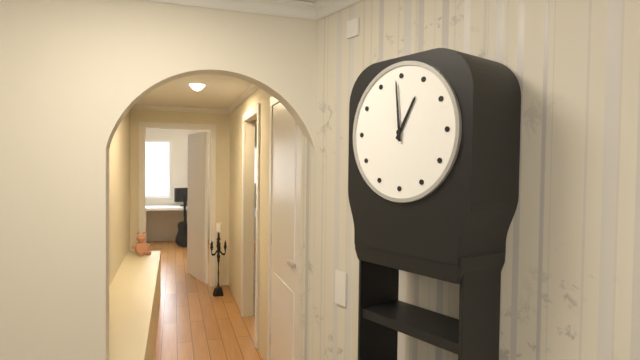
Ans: {"hour": 12, "minute": 59}
